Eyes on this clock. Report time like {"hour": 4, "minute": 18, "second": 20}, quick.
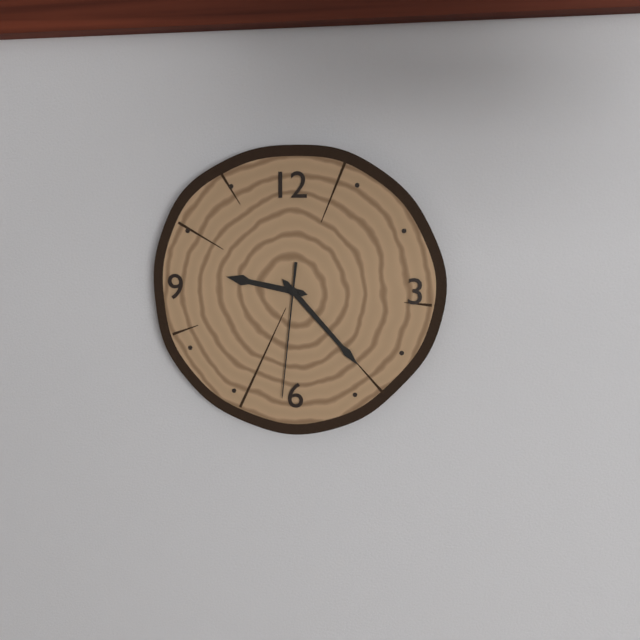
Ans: {"hour": 9, "minute": 23, "second": 31}
